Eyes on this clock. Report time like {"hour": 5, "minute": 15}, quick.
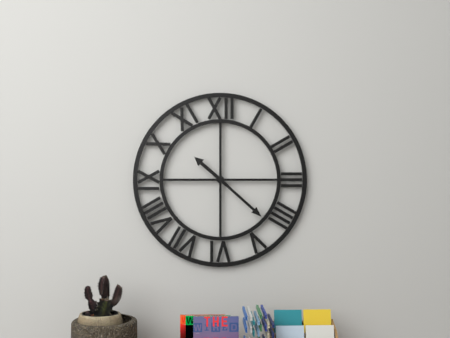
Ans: {"hour": 10, "minute": 22}
